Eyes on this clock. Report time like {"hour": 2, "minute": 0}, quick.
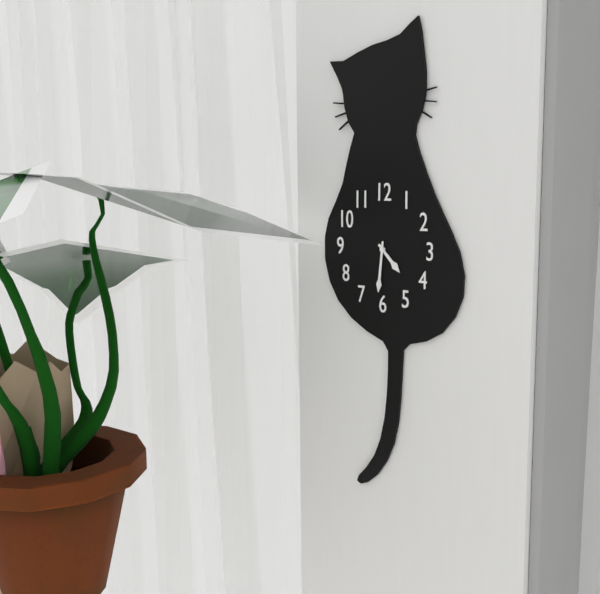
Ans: {"hour": 4, "minute": 31}
